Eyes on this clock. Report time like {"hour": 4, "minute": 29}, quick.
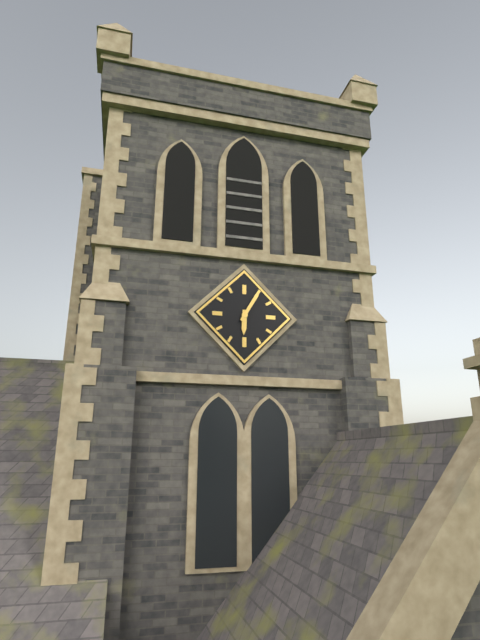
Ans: {"hour": 6, "minute": 5}
